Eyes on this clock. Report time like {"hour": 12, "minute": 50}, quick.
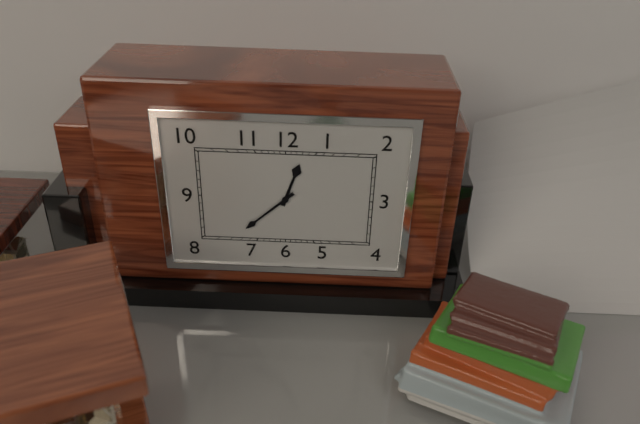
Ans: {"hour": 12, "minute": 38}
